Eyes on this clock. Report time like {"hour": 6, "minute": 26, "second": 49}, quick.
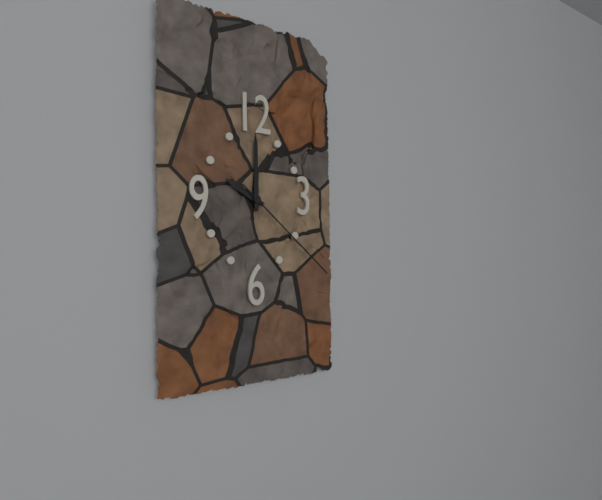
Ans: {"hour": 10, "minute": 0, "second": 22}
